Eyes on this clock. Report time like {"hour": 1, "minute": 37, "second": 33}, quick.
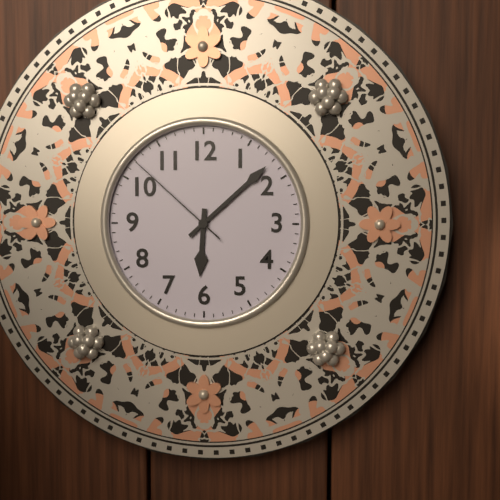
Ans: {"hour": 6, "minute": 8, "second": 52}
